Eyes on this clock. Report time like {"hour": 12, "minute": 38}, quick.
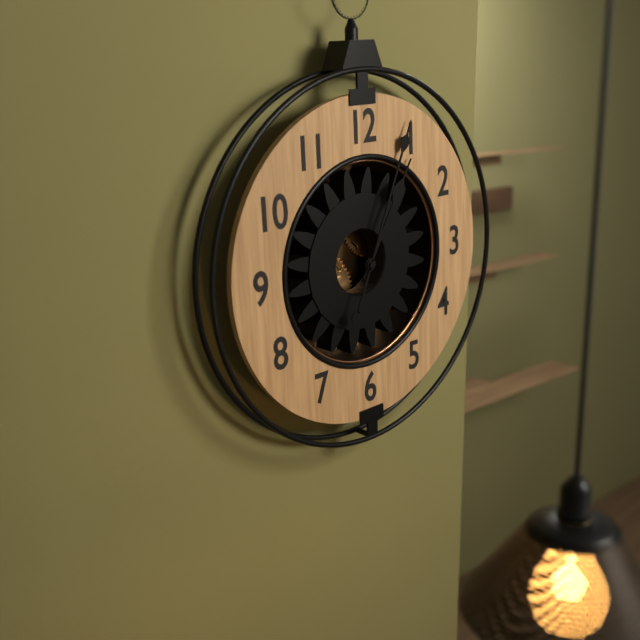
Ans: {"hour": 1, "minute": 4}
